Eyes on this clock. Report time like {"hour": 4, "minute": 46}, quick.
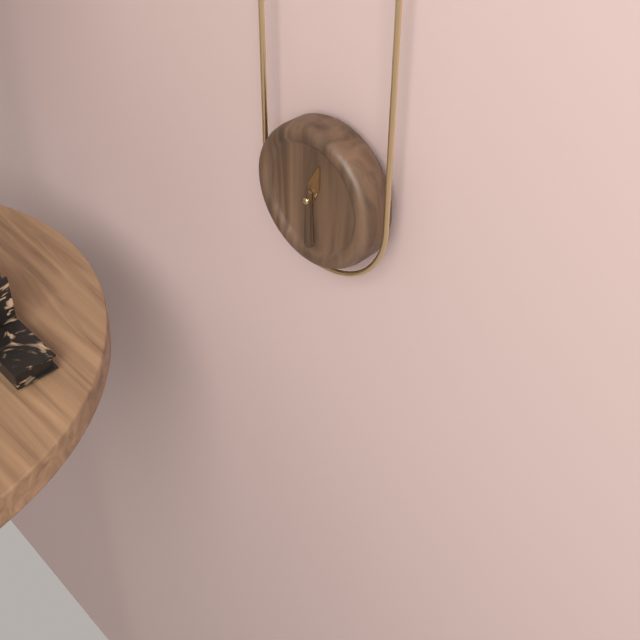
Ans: {"hour": 12, "minute": 30}
